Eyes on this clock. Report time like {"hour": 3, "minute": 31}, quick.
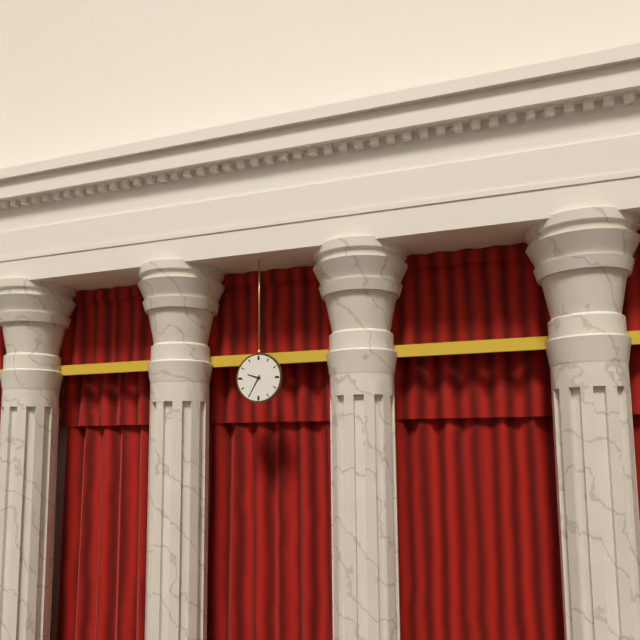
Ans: {"hour": 9, "minute": 35}
